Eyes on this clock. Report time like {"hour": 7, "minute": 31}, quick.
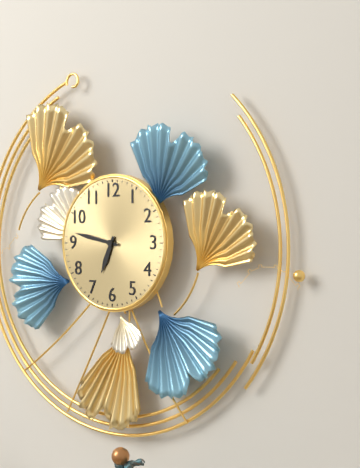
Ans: {"hour": 6, "minute": 47}
